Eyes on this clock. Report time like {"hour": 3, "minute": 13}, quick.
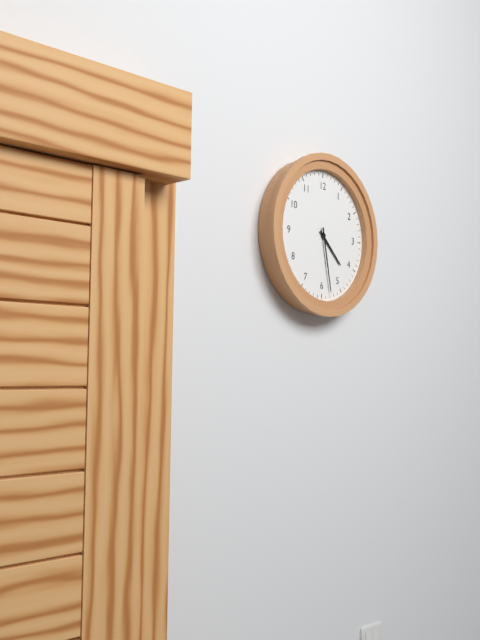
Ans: {"hour": 4, "minute": 28}
